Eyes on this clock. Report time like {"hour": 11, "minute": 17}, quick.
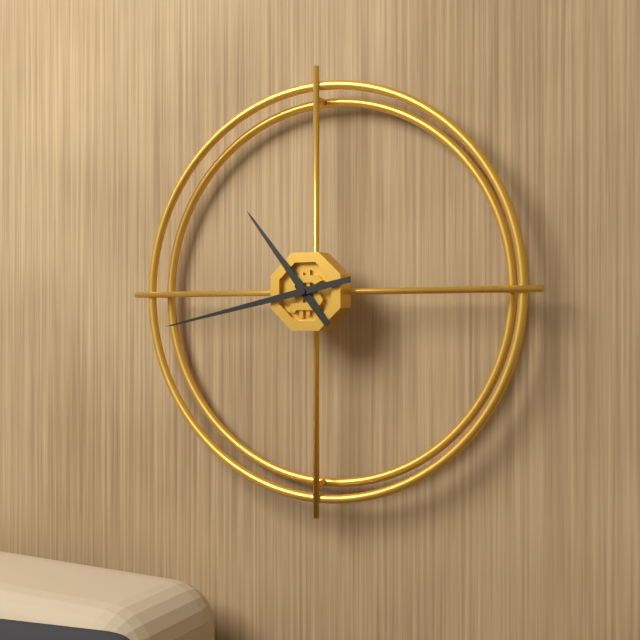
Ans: {"hour": 10, "minute": 43}
